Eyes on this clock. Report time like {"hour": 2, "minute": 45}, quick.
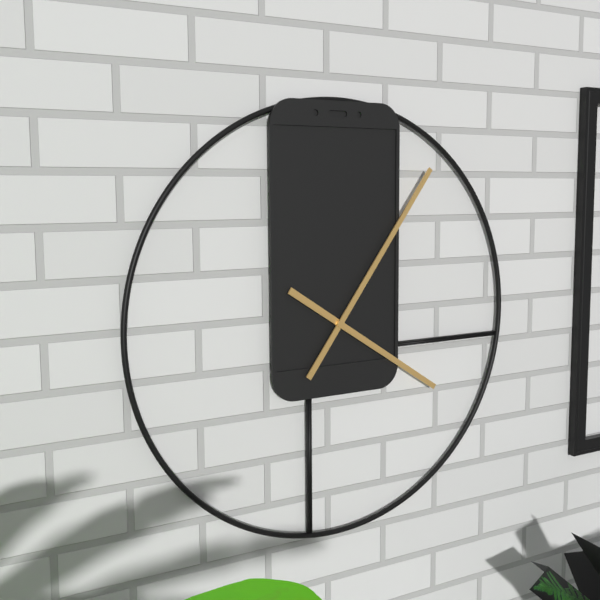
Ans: {"hour": 4, "minute": 6}
